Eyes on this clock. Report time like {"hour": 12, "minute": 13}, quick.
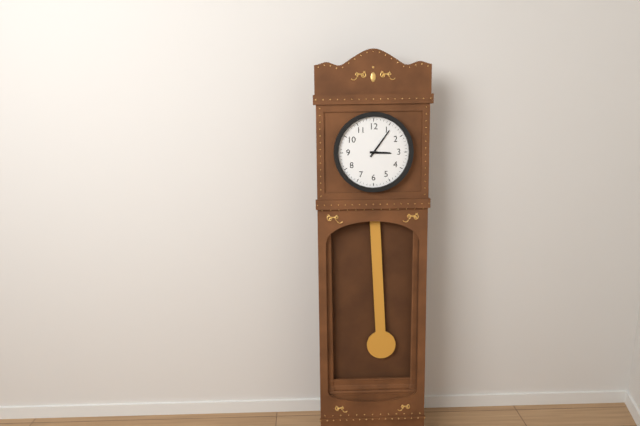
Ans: {"hour": 3, "minute": 6}
